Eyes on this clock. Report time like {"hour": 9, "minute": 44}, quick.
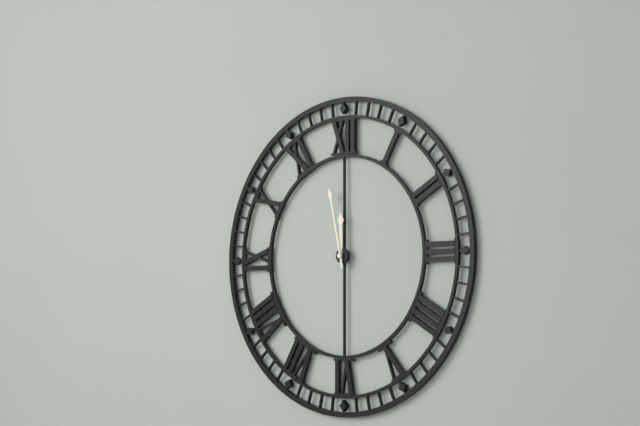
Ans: {"hour": 11, "minute": 58}
